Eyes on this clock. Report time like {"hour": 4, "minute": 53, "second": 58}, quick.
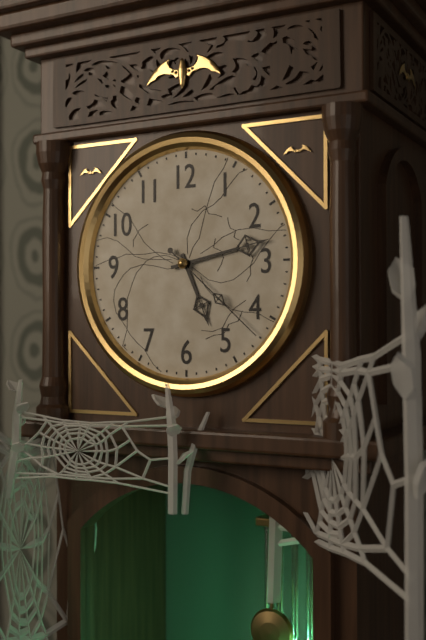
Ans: {"hour": 5, "minute": 13, "second": 22}
